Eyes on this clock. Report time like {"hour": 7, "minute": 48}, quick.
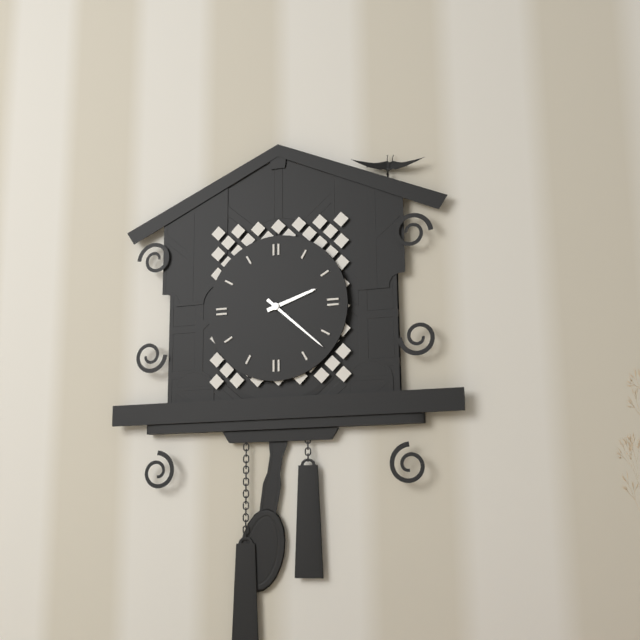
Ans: {"hour": 2, "minute": 22}
